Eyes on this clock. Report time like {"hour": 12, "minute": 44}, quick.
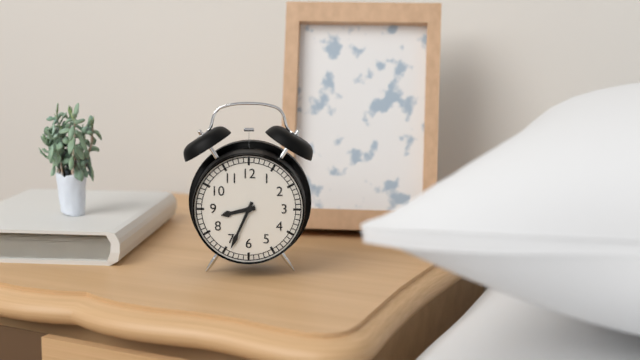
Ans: {"hour": 8, "minute": 34}
